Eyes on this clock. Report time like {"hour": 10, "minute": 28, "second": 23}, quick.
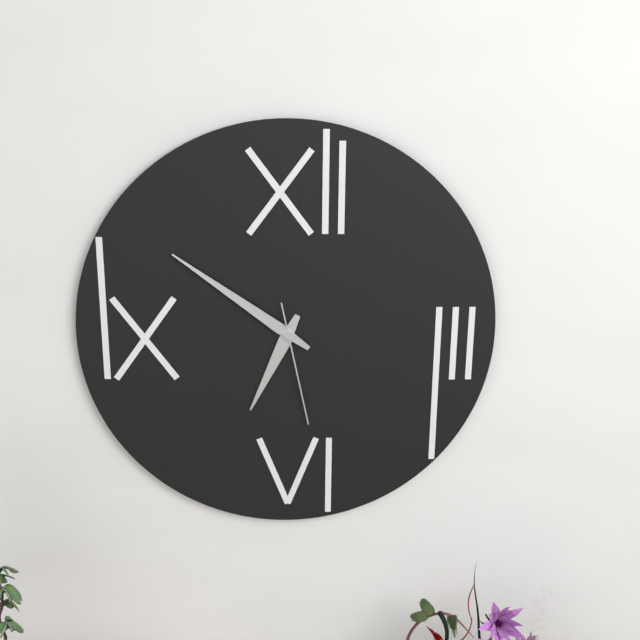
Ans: {"hour": 6, "minute": 51, "second": 28}
